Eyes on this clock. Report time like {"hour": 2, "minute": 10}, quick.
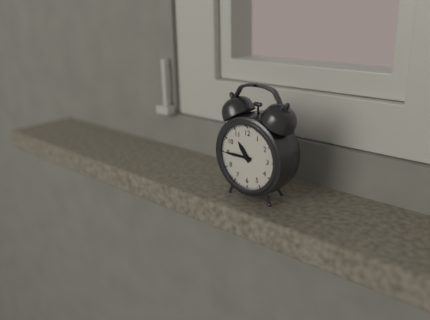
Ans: {"hour": 10, "minute": 45}
